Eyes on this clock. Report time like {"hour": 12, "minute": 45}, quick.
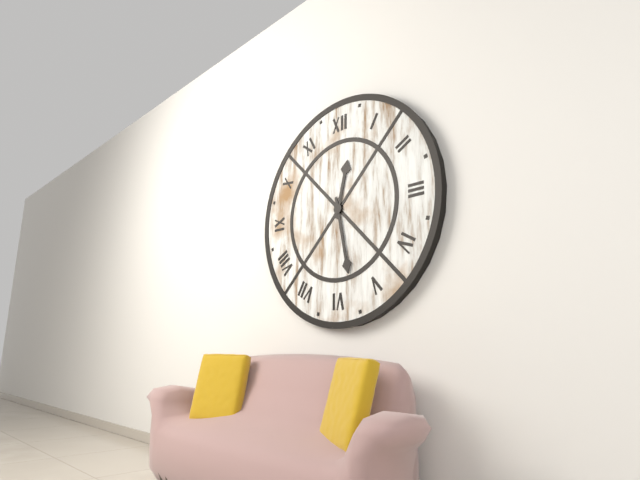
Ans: {"hour": 12, "minute": 28}
